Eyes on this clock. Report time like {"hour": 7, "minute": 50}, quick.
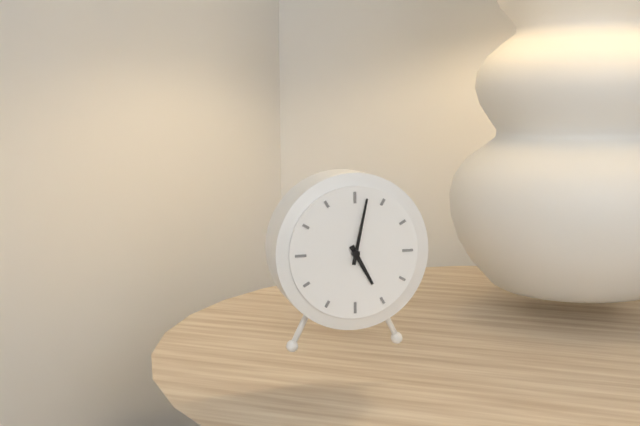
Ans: {"hour": 5, "minute": 2}
